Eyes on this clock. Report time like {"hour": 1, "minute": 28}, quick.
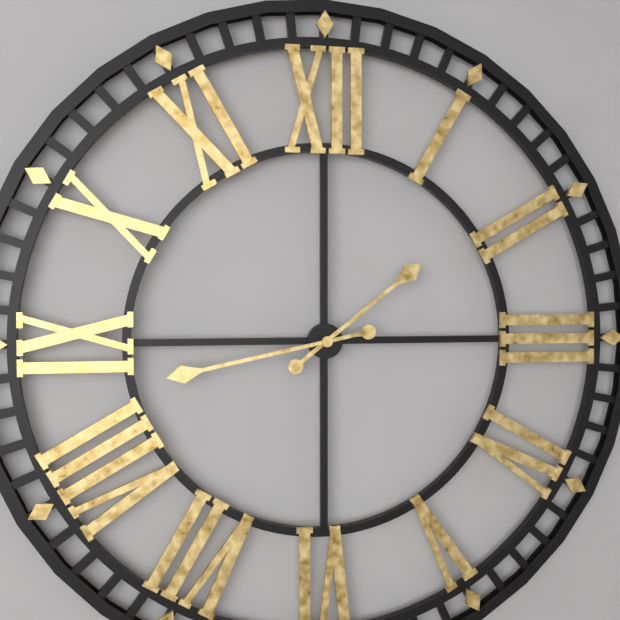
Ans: {"hour": 1, "minute": 43}
